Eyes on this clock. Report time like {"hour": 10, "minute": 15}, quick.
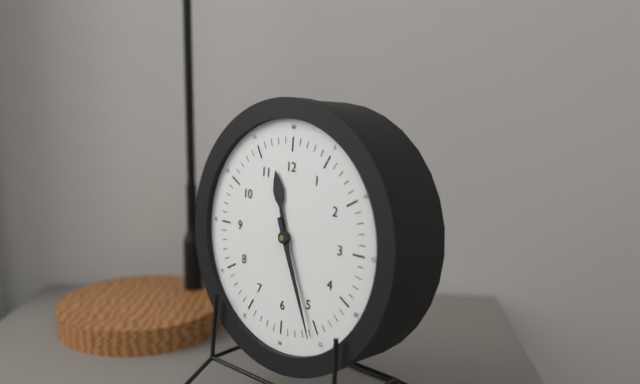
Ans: {"hour": 11, "minute": 26}
